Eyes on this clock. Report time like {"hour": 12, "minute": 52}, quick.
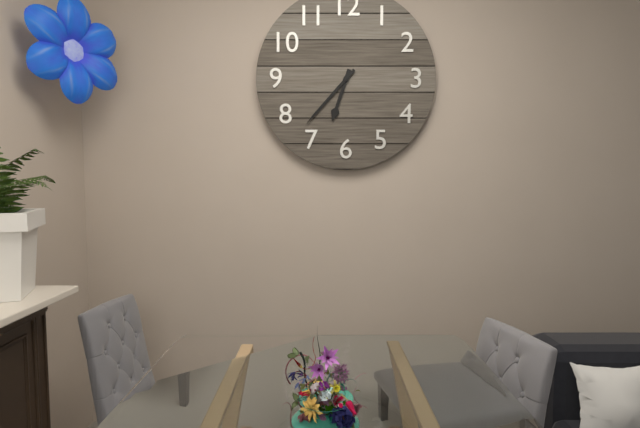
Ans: {"hour": 6, "minute": 37}
